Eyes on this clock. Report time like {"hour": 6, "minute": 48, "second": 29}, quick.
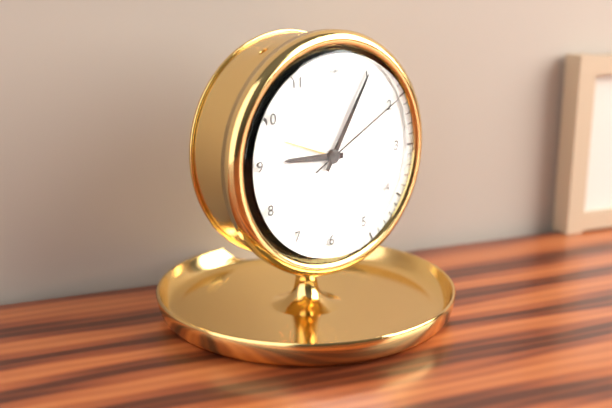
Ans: {"hour": 9, "minute": 5, "second": 10}
